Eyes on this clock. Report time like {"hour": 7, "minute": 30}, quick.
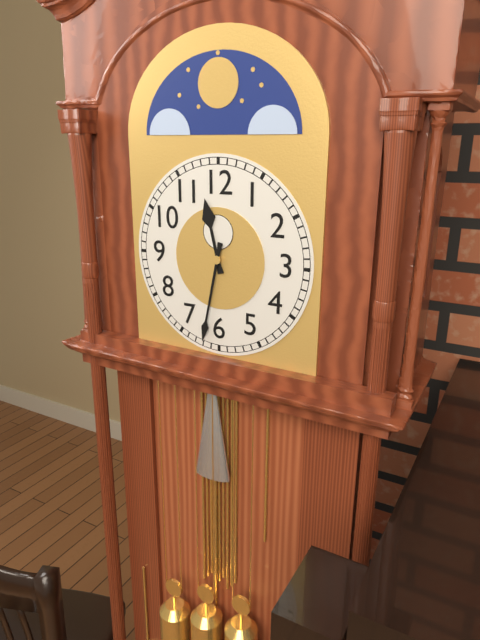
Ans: {"hour": 11, "minute": 32}
